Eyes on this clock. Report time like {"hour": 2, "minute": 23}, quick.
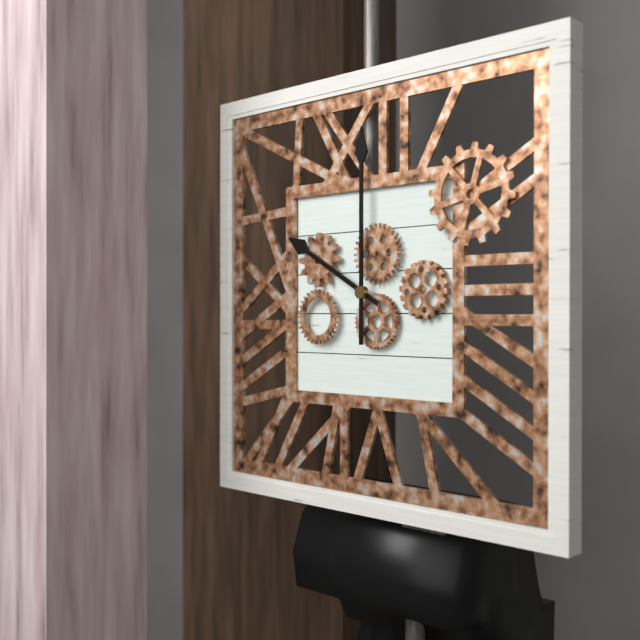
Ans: {"hour": 10, "minute": 0}
